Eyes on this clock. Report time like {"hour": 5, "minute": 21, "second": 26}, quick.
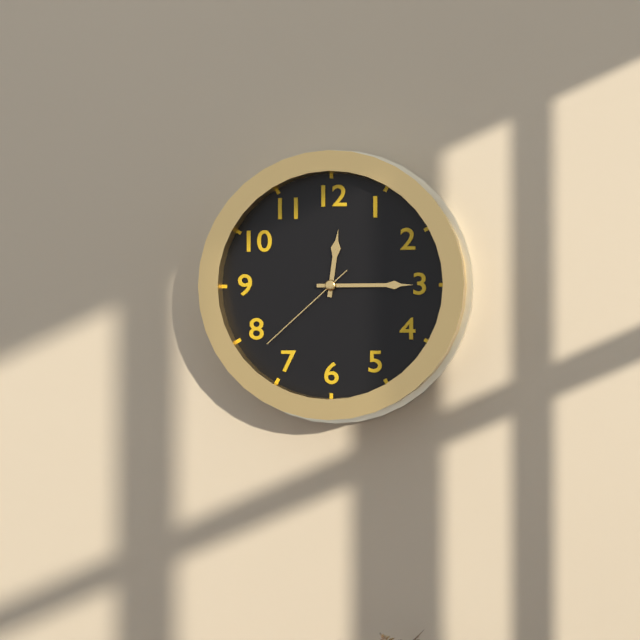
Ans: {"hour": 12, "minute": 15, "second": 38}
